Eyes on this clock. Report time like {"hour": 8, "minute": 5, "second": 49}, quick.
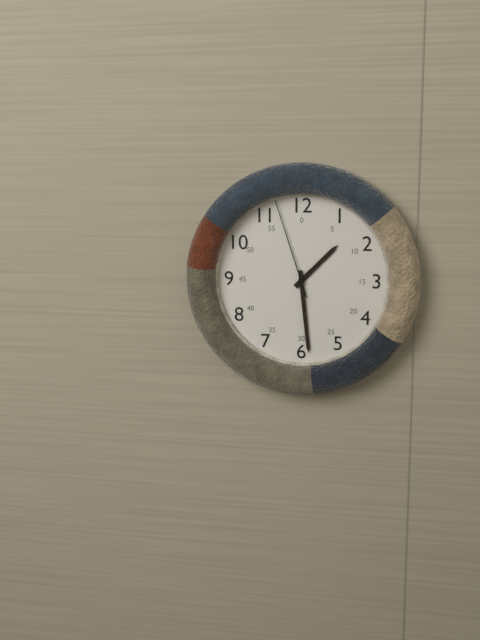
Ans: {"hour": 1, "minute": 29, "second": 57}
